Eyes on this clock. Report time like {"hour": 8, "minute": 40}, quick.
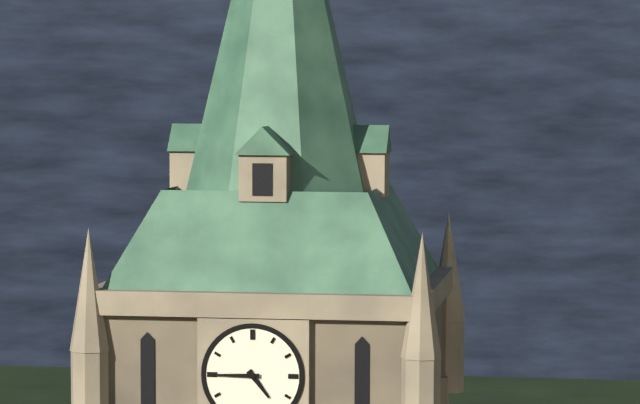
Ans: {"hour": 4, "minute": 45}
